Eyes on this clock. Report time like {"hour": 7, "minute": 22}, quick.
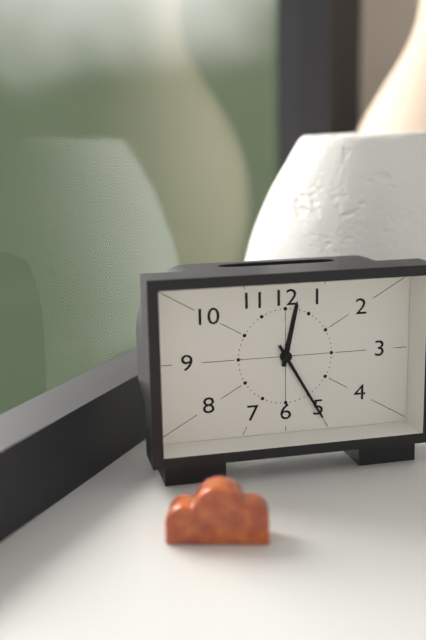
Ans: {"hour": 12, "minute": 25}
